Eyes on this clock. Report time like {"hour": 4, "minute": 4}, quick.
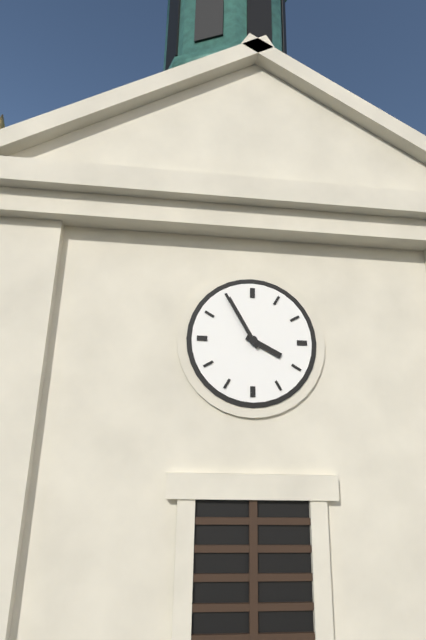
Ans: {"hour": 3, "minute": 55}
